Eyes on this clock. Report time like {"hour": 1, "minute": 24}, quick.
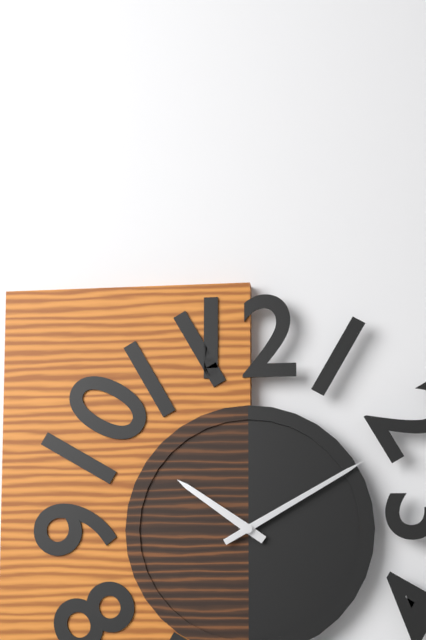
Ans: {"hour": 10, "minute": 10}
